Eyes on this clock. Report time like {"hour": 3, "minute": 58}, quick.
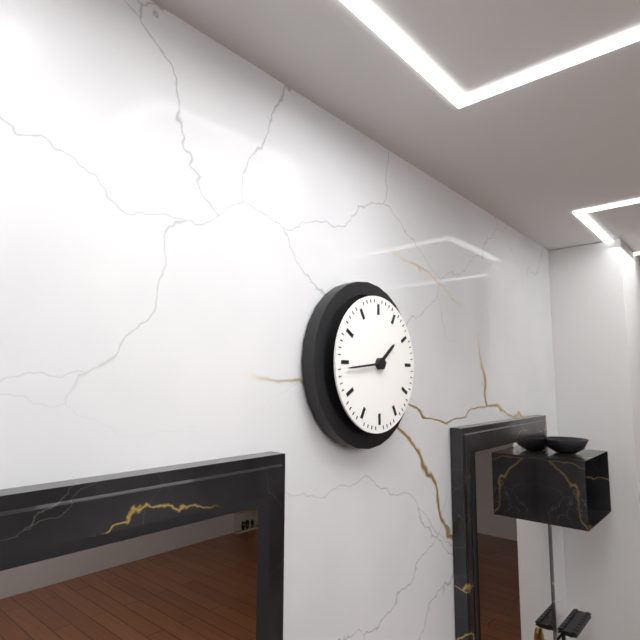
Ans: {"hour": 1, "minute": 44}
